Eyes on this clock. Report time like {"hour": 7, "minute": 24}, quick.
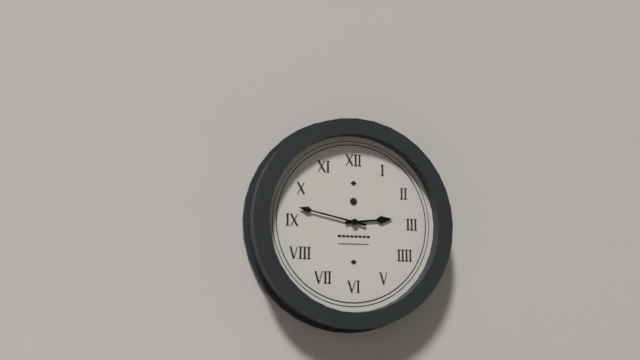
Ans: {"hour": 2, "minute": 47}
